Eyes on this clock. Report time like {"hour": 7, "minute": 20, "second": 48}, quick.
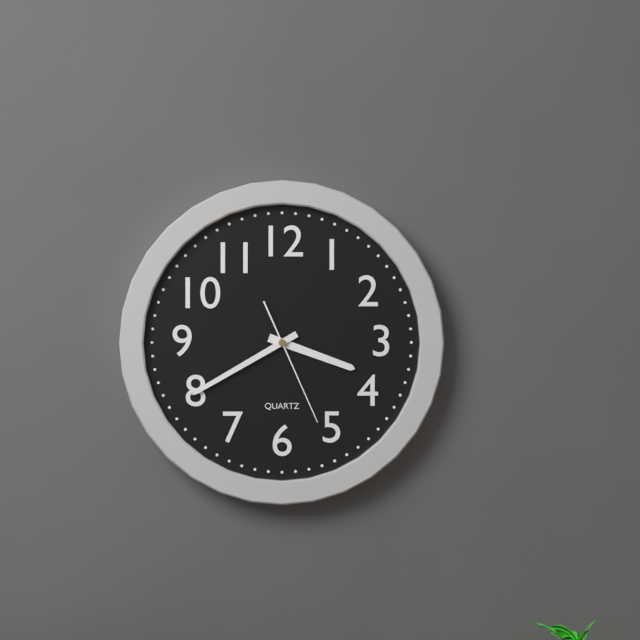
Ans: {"hour": 3, "minute": 40, "second": 26}
